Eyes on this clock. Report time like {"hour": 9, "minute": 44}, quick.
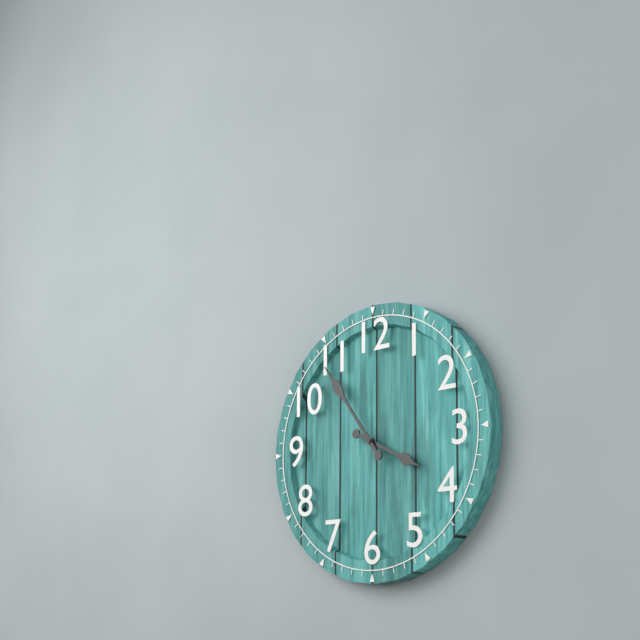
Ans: {"hour": 3, "minute": 54}
